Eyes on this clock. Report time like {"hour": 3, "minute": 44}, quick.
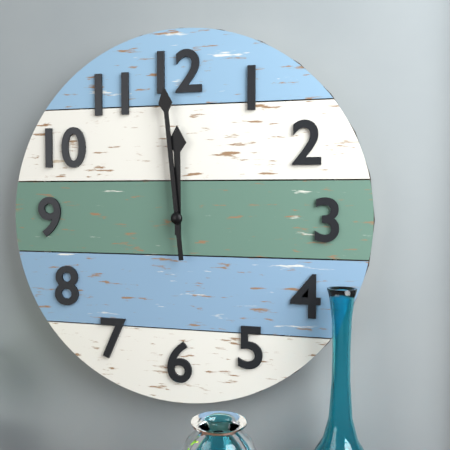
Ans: {"hour": 11, "minute": 59}
